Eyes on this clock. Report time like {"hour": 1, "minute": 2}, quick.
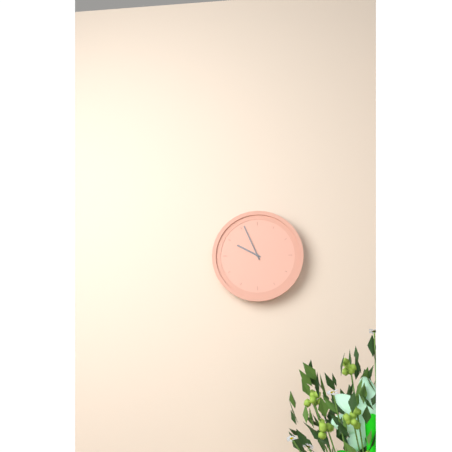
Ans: {"hour": 9, "minute": 56}
